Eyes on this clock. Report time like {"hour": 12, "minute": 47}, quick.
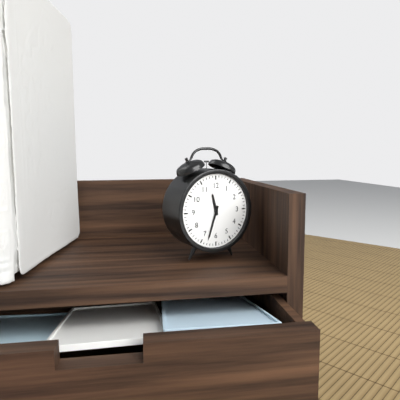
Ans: {"hour": 11, "minute": 33}
